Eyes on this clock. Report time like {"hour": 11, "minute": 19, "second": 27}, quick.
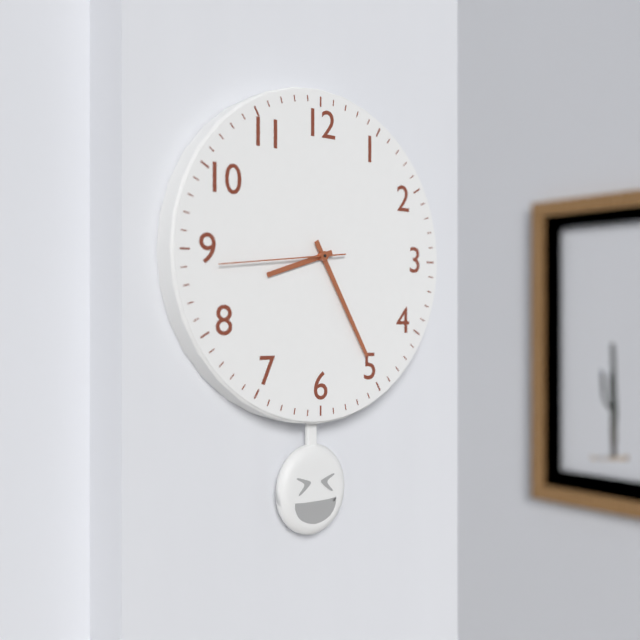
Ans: {"hour": 8, "minute": 25, "second": 44}
